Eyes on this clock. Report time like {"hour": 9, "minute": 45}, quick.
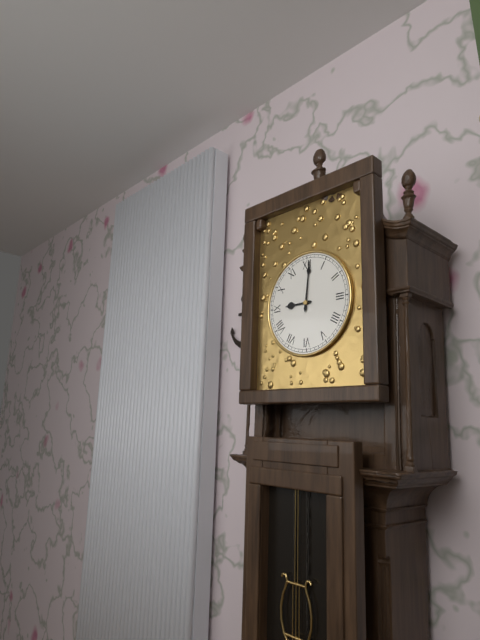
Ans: {"hour": 9, "minute": 1}
